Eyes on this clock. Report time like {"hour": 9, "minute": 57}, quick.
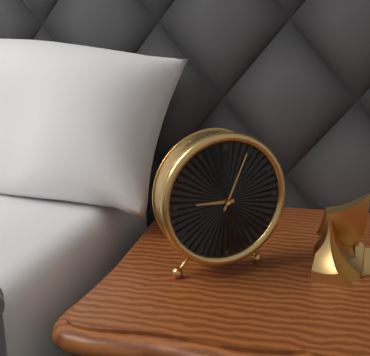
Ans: {"hour": 9, "minute": 4}
